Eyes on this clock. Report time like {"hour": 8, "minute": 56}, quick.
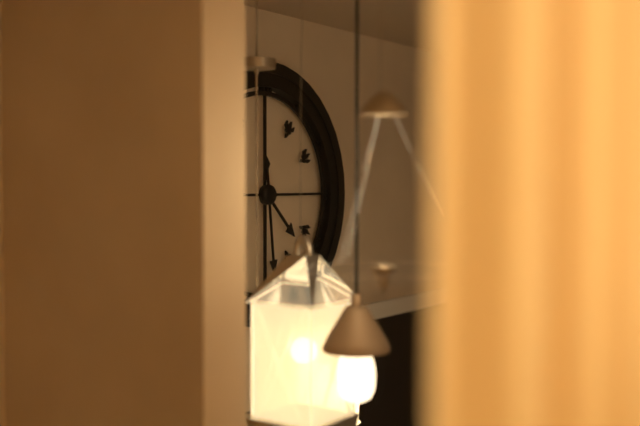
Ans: {"hour": 4, "minute": 29}
